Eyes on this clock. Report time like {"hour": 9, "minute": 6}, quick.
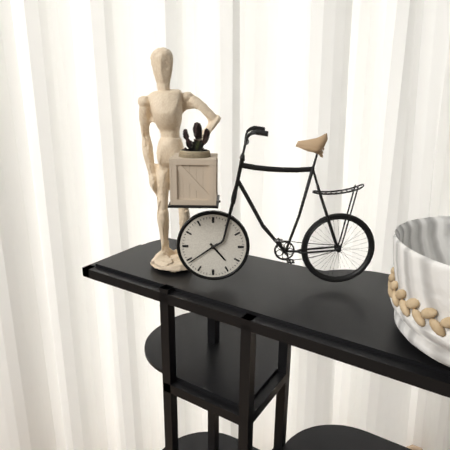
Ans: {"hour": 4, "minute": 39}
